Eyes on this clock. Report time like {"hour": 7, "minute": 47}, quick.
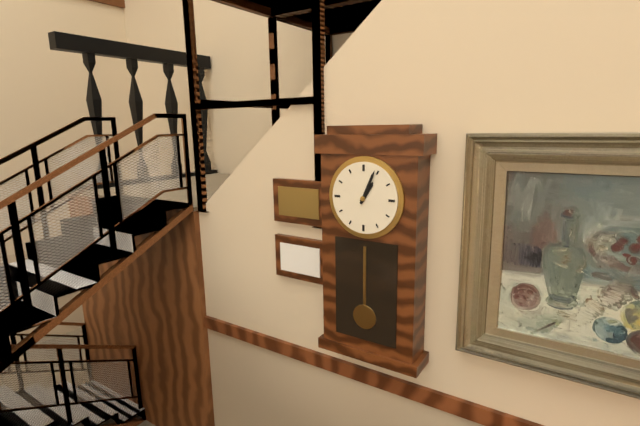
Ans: {"hour": 1, "minute": 4}
